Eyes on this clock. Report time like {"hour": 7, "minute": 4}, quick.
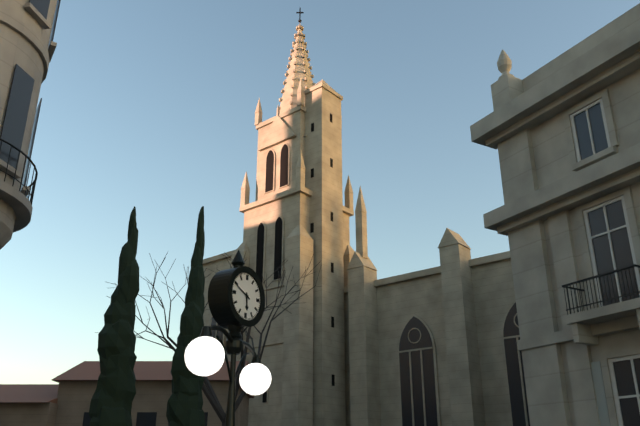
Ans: {"hour": 5, "minute": 49}
